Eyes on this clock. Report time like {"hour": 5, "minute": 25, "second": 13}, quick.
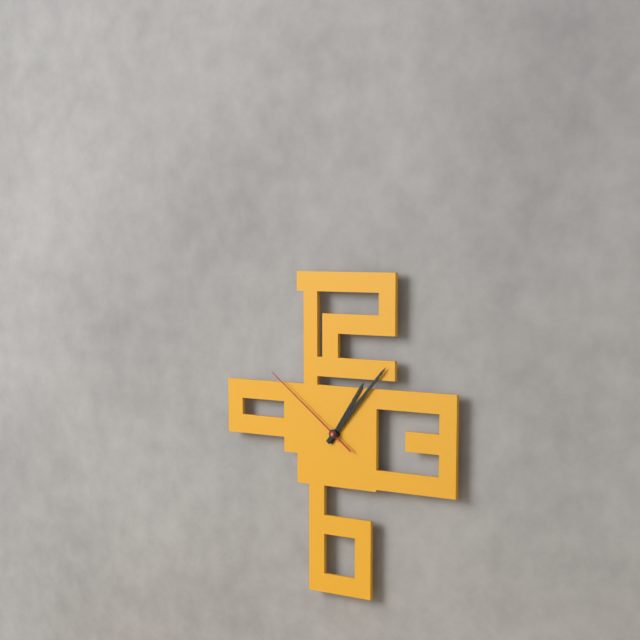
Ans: {"hour": 1, "minute": 7, "second": 51}
